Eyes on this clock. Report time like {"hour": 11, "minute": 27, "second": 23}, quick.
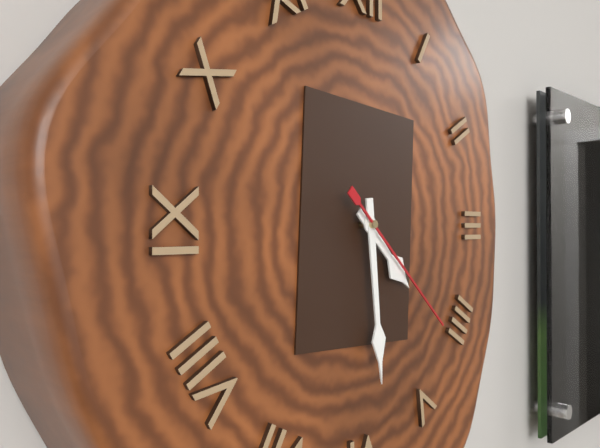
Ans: {"hour": 4, "minute": 29, "second": 22}
